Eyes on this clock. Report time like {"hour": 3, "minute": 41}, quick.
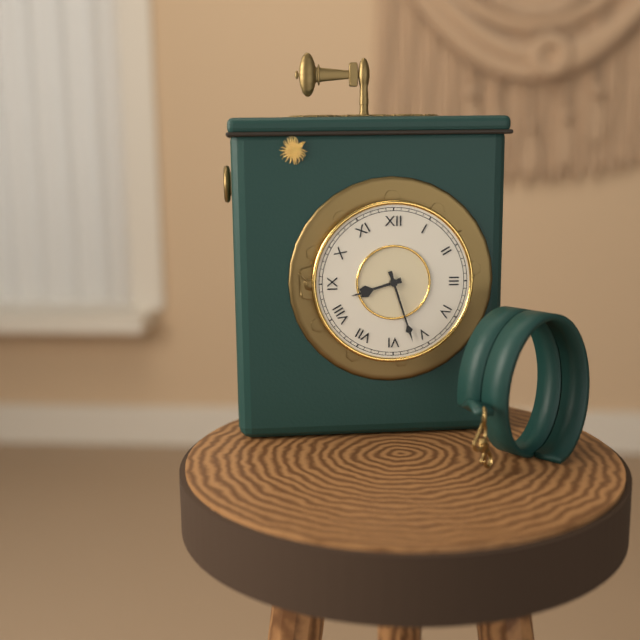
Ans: {"hour": 8, "minute": 27}
